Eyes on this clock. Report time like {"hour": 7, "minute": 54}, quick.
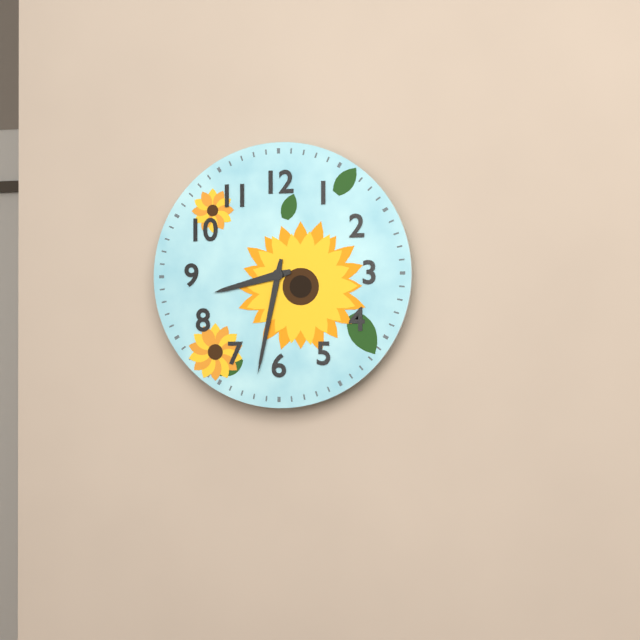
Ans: {"hour": 8, "minute": 32}
